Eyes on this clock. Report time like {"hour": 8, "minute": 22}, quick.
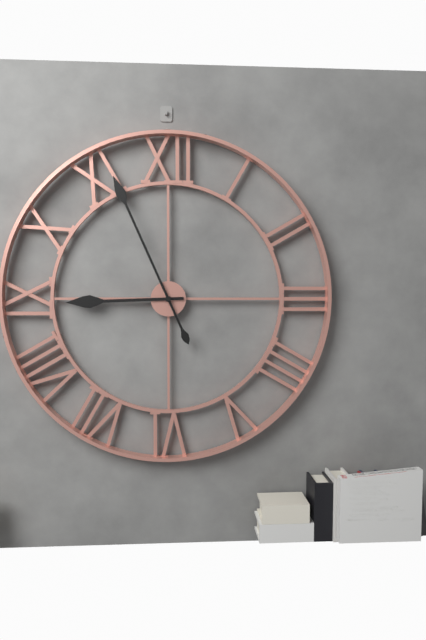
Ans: {"hour": 8, "minute": 56}
